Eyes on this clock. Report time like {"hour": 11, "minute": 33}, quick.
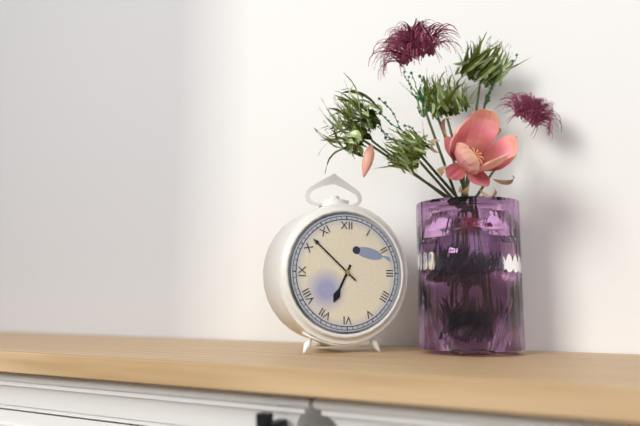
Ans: {"hour": 6, "minute": 52}
